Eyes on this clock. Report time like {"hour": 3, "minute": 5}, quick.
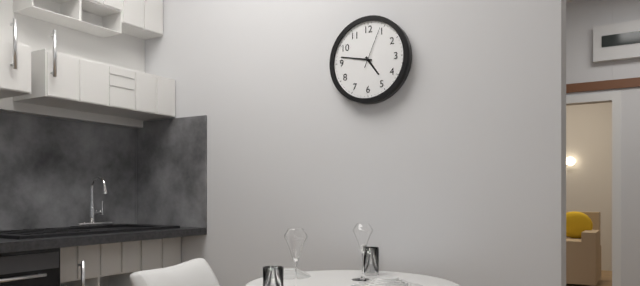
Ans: {"hour": 4, "minute": 47}
